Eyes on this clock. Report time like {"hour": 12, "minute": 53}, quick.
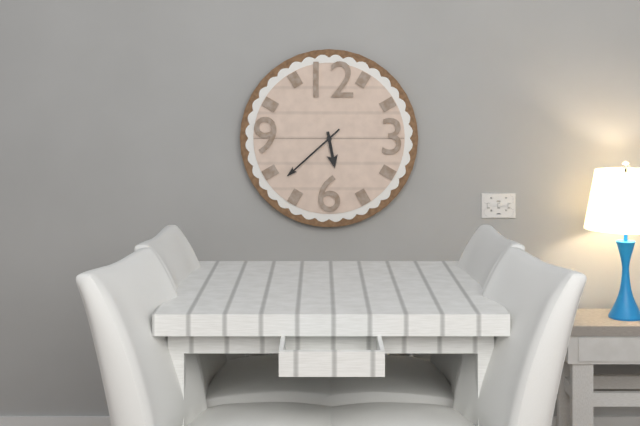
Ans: {"hour": 5, "minute": 38}
